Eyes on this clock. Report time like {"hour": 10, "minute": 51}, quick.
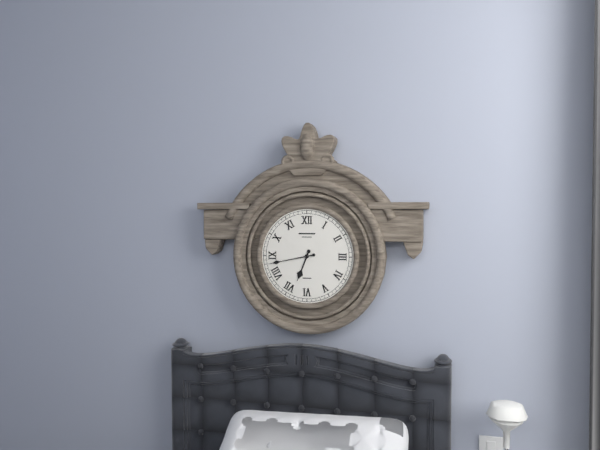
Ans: {"hour": 6, "minute": 43}
